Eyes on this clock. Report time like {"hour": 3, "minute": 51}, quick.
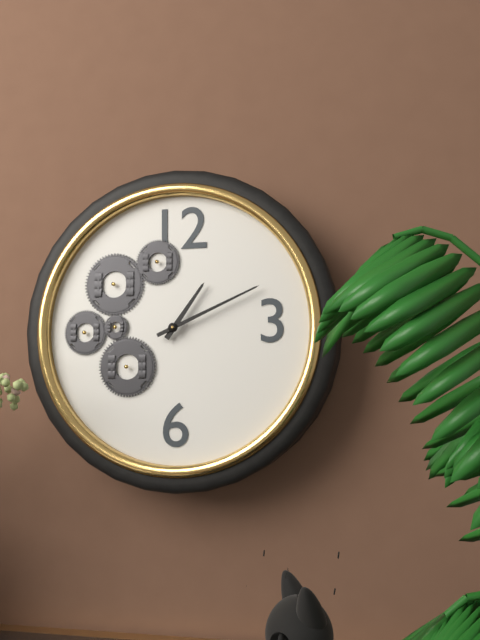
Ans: {"hour": 1, "minute": 11}
